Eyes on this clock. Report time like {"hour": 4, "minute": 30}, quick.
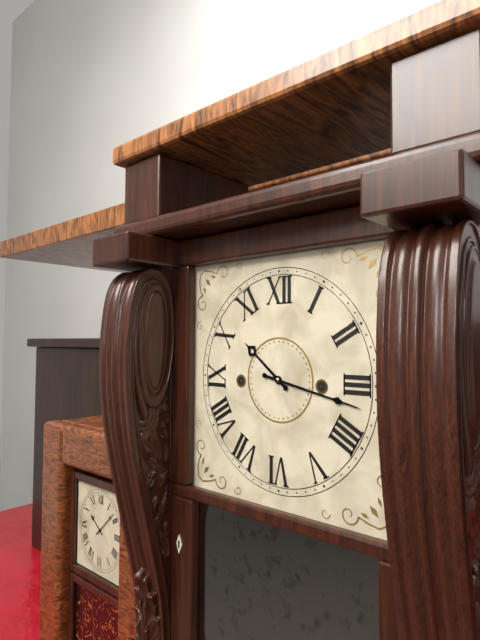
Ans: {"hour": 10, "minute": 17}
